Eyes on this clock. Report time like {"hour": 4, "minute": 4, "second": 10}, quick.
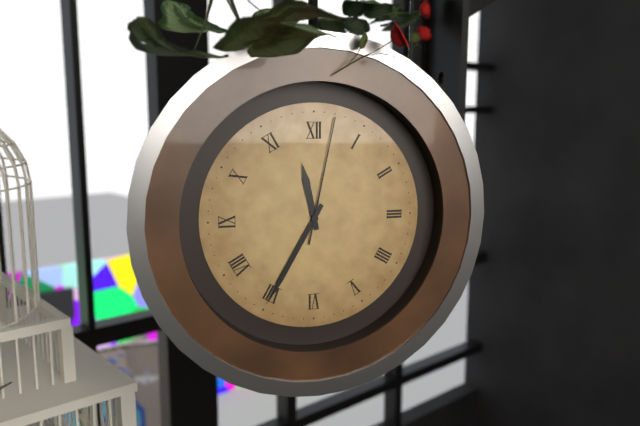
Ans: {"hour": 11, "minute": 35, "second": 2}
